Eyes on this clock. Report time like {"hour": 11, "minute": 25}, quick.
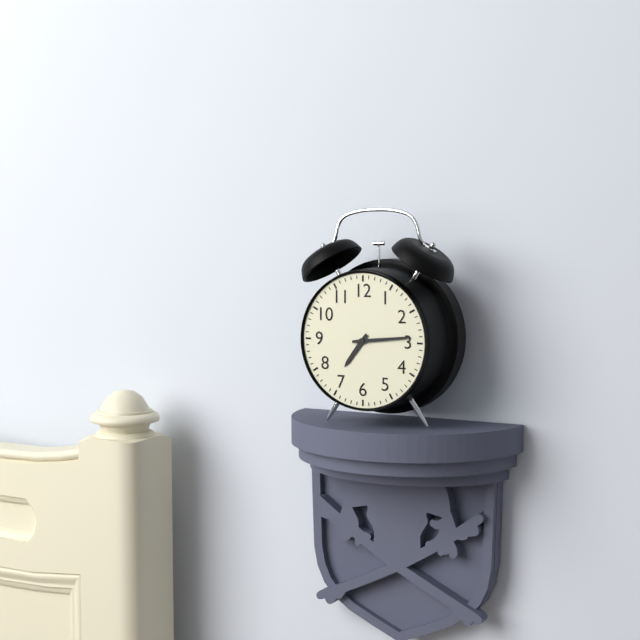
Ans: {"hour": 7, "minute": 14}
